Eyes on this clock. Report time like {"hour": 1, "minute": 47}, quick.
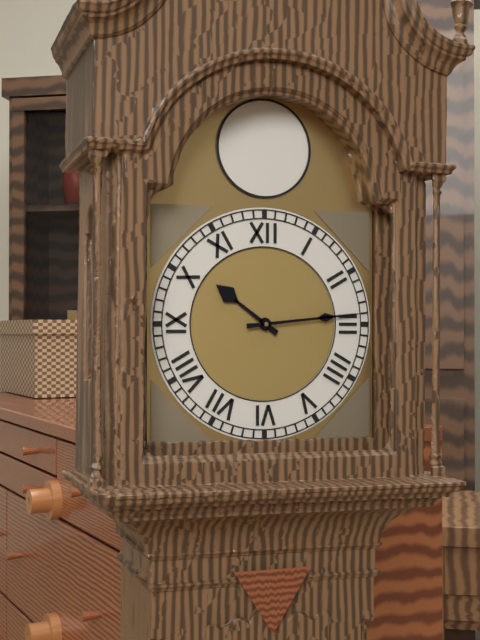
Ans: {"hour": 10, "minute": 14}
